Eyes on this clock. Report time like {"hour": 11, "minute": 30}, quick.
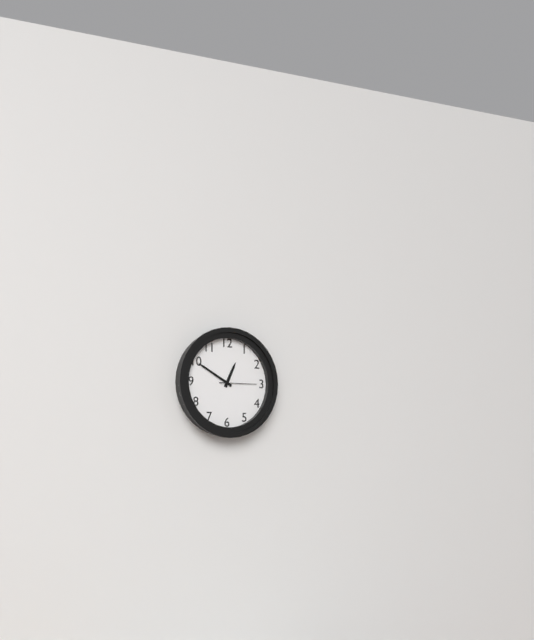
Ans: {"hour": 12, "minute": 50}
